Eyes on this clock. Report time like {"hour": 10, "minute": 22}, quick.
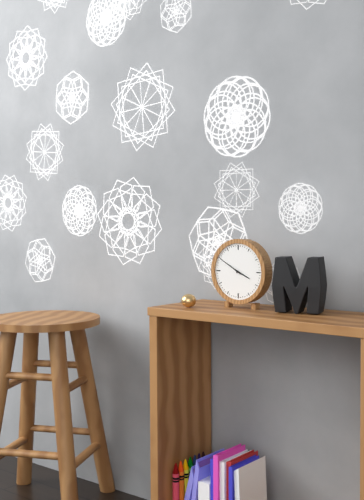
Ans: {"hour": 3, "minute": 50}
